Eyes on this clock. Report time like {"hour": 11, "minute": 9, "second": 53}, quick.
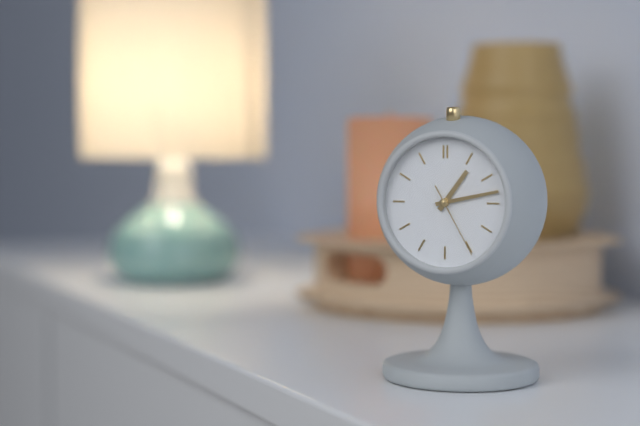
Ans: {"hour": 1, "minute": 13, "second": 25}
